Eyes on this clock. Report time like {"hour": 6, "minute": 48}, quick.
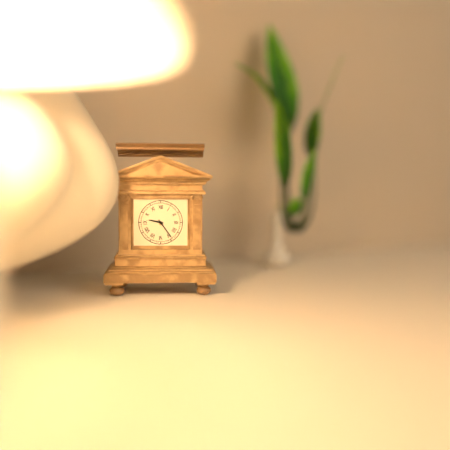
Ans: {"hour": 9, "minute": 24}
